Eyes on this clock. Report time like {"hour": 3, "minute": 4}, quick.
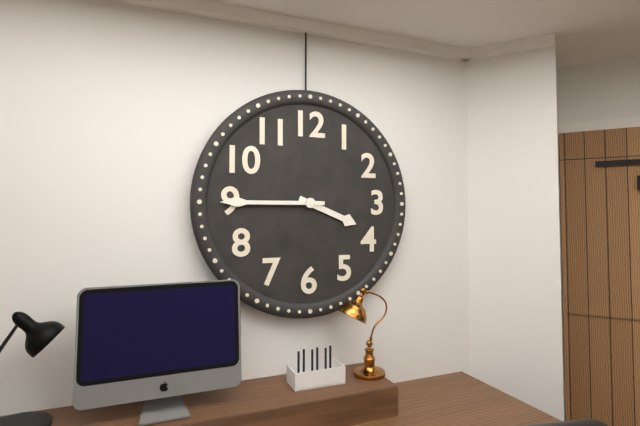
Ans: {"hour": 3, "minute": 45}
